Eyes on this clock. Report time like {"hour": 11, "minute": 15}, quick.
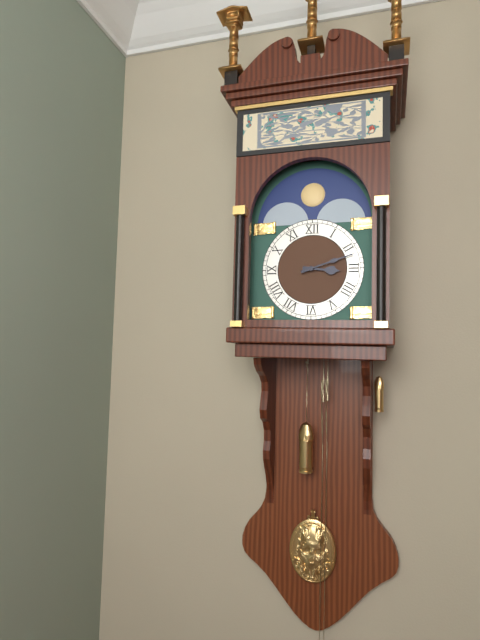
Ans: {"hour": 3, "minute": 12}
